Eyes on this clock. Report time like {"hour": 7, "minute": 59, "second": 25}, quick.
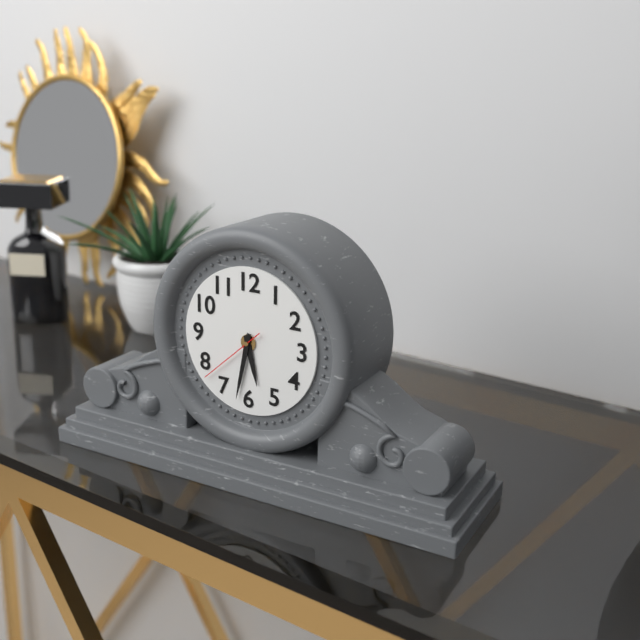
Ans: {"hour": 5, "minute": 32, "second": 38}
